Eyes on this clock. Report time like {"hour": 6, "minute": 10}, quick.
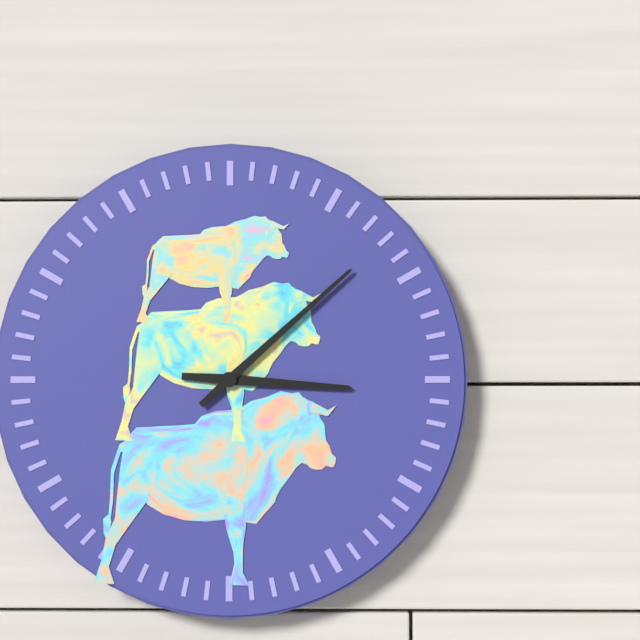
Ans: {"hour": 3, "minute": 8}
